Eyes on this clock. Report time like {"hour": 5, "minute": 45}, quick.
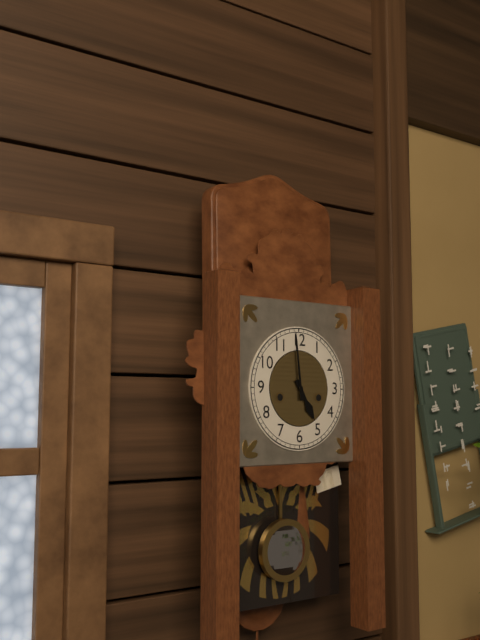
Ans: {"hour": 4, "minute": 59}
